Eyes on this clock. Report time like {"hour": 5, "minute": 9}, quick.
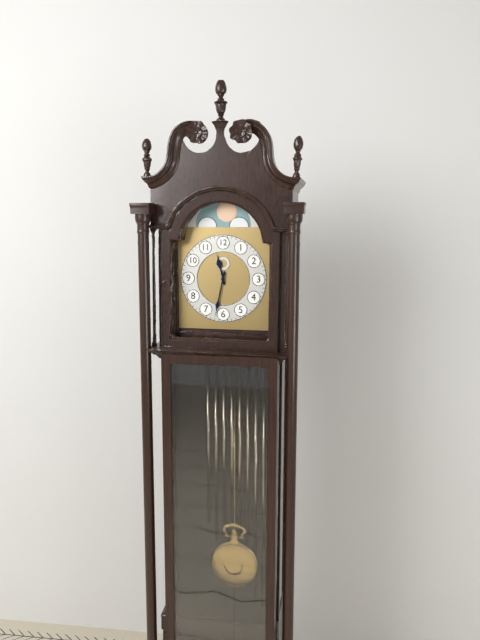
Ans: {"hour": 11, "minute": 32}
